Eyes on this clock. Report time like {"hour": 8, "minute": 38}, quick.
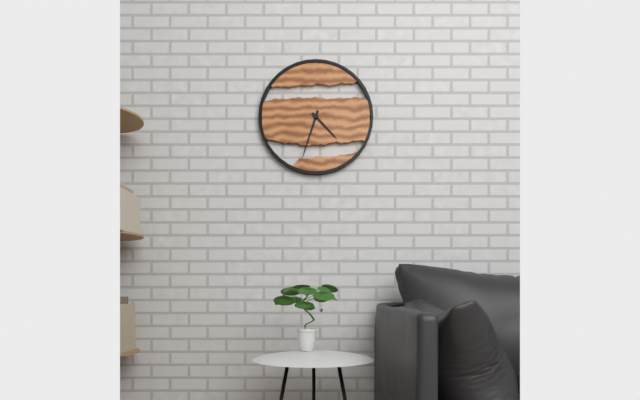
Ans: {"hour": 4, "minute": 33}
